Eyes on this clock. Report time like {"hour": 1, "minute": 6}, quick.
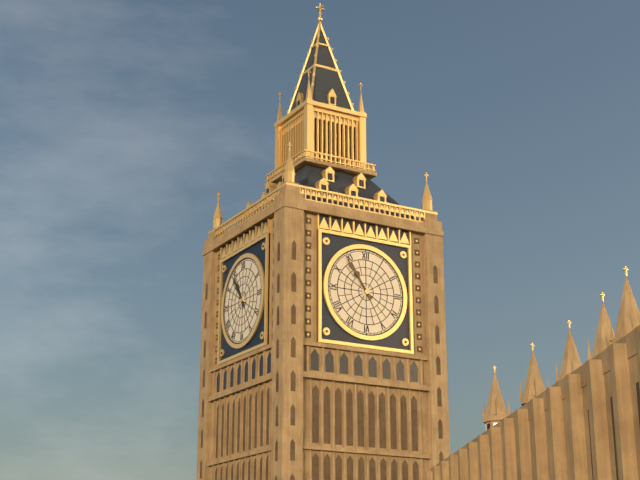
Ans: {"hour": 10, "minute": 54}
